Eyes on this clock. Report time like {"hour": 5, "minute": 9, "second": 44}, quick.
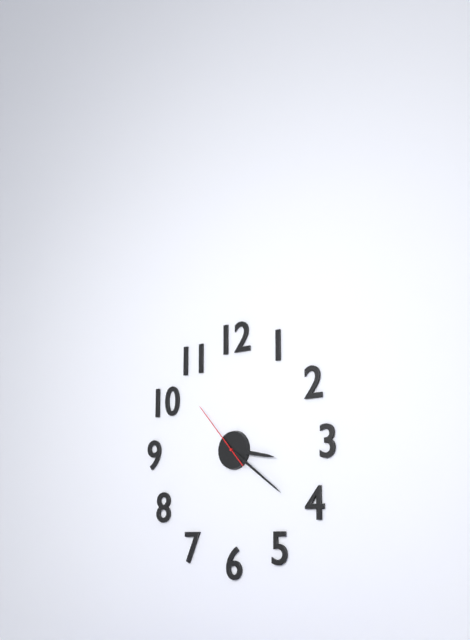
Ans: {"hour": 3, "minute": 21, "second": 53}
